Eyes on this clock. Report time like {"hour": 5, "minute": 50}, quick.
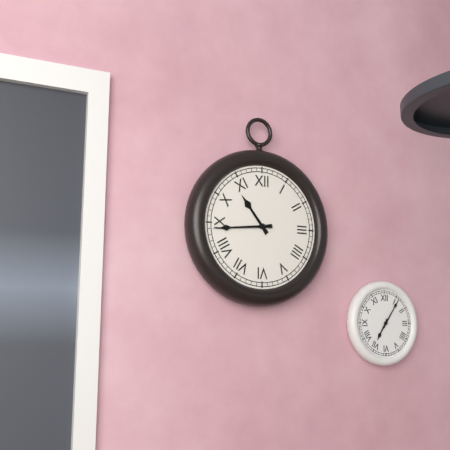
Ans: {"hour": 10, "minute": 44}
